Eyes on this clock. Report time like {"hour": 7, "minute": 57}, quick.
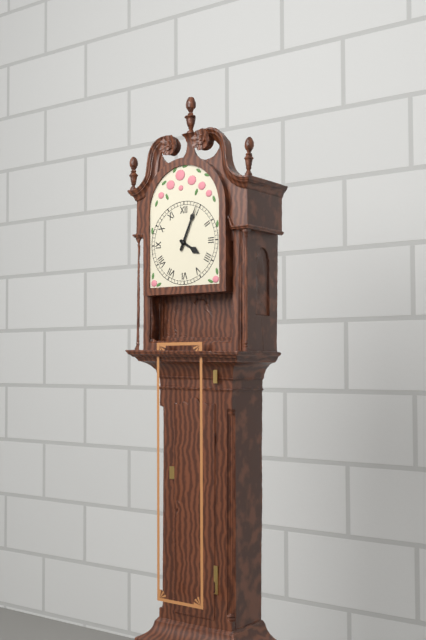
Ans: {"hour": 4, "minute": 4}
